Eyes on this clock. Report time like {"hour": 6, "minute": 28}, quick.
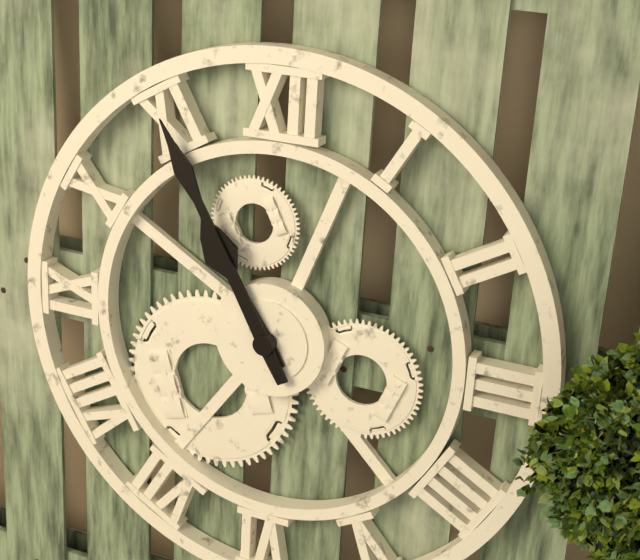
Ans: {"hour": 10, "minute": 55}
